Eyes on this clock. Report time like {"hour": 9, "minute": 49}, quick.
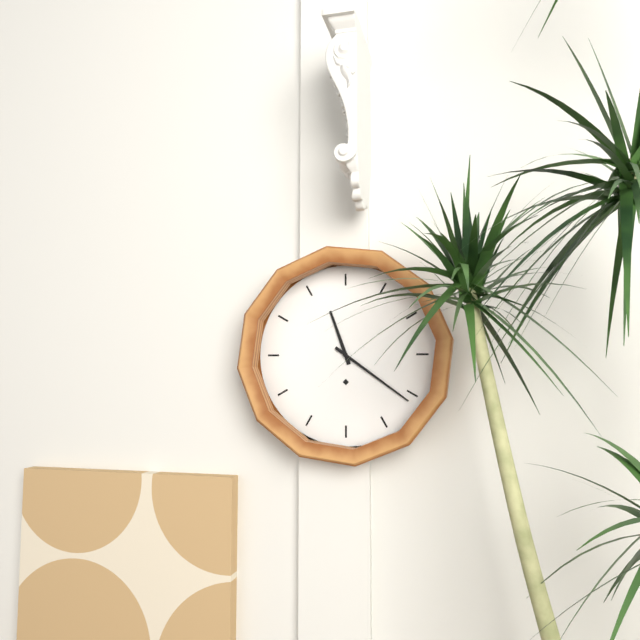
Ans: {"hour": 11, "minute": 21}
